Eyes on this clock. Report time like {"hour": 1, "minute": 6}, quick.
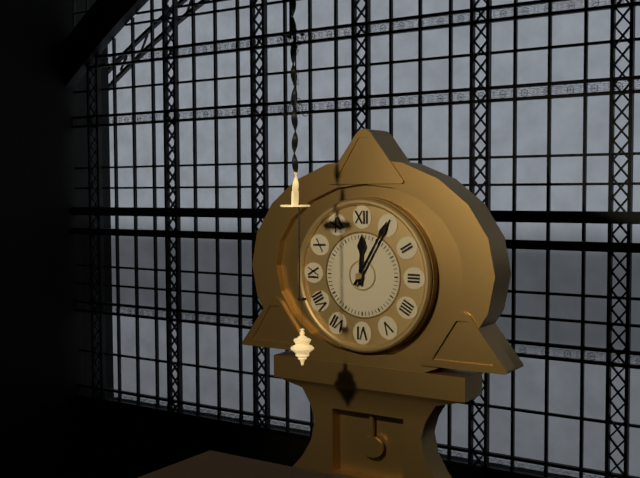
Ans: {"hour": 12, "minute": 5}
